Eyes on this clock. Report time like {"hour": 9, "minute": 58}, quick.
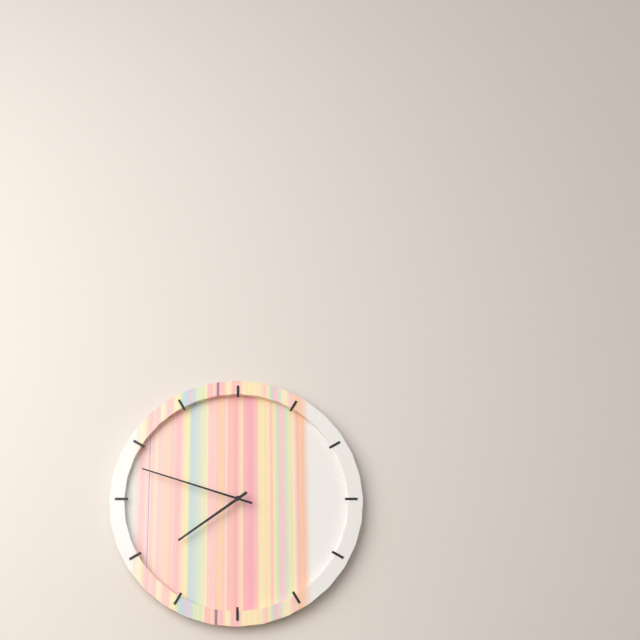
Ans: {"hour": 7, "minute": 48}
